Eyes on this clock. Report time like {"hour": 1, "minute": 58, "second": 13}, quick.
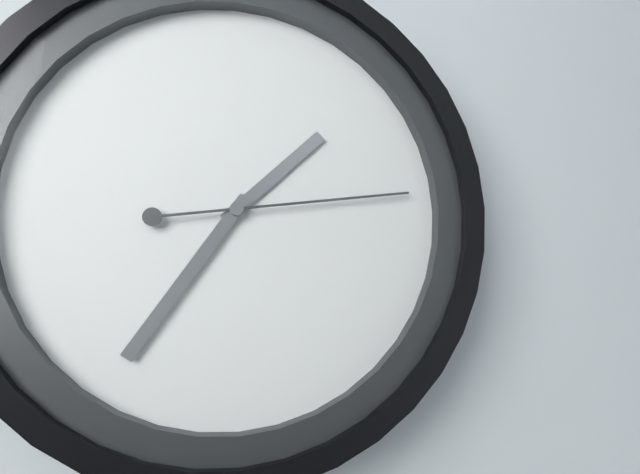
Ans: {"hour": 1, "minute": 36, "second": 14}
